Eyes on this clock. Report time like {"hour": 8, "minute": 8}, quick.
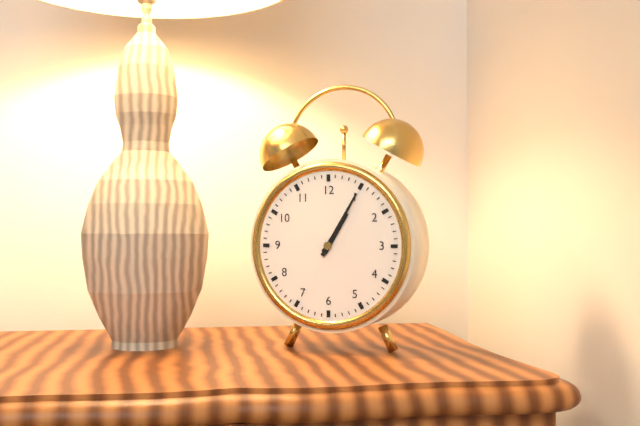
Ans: {"hour": 1, "minute": 5}
